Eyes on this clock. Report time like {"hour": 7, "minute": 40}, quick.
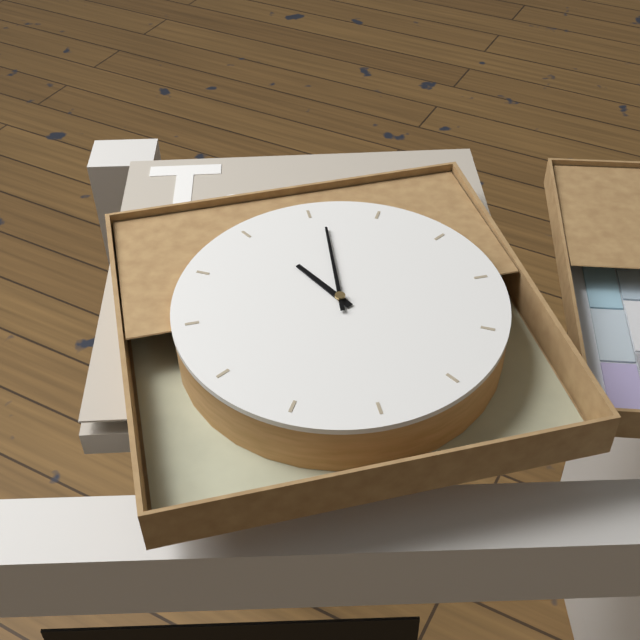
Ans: {"hour": 12, "minute": 6}
